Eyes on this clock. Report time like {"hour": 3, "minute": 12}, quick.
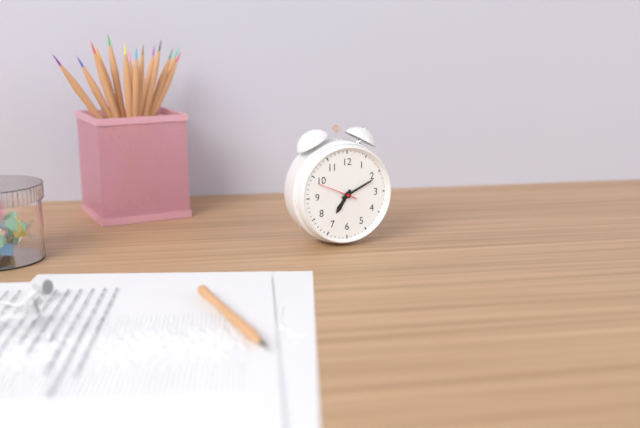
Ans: {"hour": 7, "minute": 11}
